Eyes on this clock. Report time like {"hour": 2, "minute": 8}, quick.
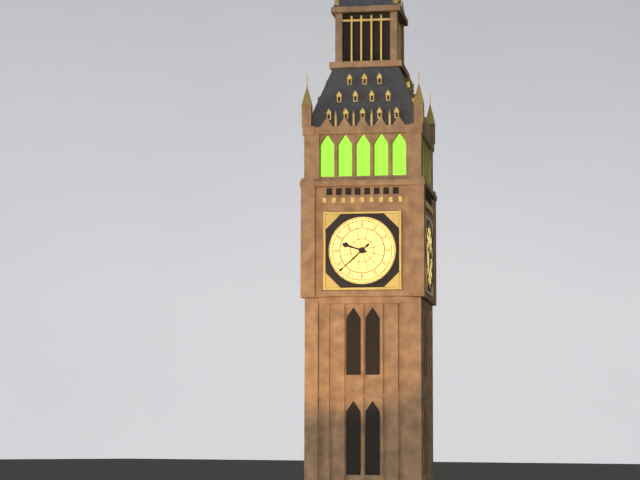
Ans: {"hour": 9, "minute": 38}
